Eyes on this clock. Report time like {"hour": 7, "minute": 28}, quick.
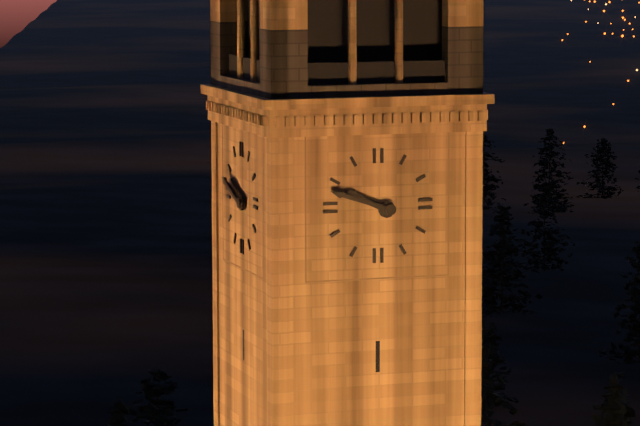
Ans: {"hour": 9, "minute": 48}
